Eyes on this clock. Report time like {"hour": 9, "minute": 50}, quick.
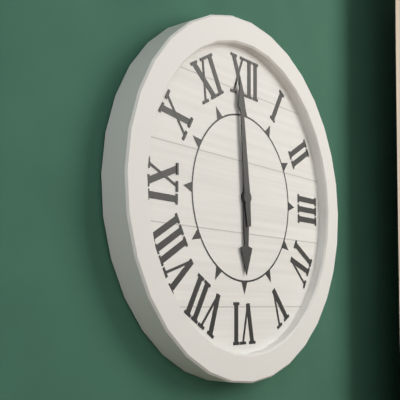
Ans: {"hour": 5, "minute": 59}
